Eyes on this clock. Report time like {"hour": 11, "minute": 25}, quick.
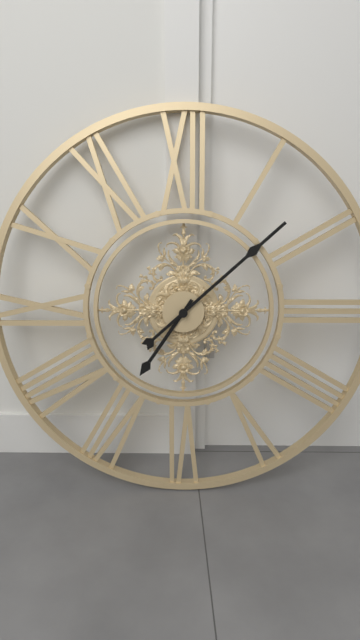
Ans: {"hour": 7, "minute": 8}
